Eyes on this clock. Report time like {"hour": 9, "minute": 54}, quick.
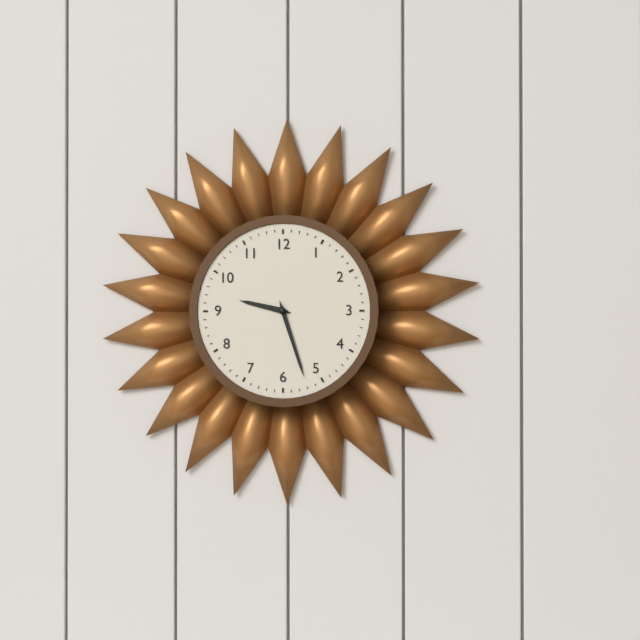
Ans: {"hour": 9, "minute": 27}
